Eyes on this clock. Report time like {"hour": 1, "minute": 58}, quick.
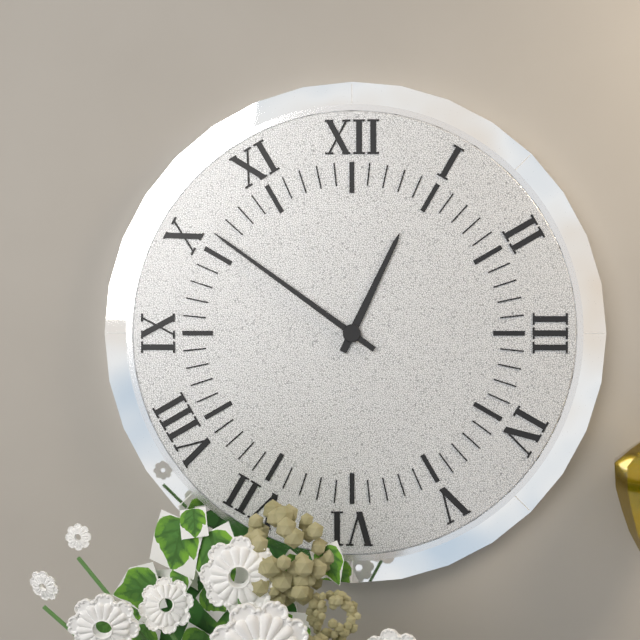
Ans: {"hour": 12, "minute": 51}
